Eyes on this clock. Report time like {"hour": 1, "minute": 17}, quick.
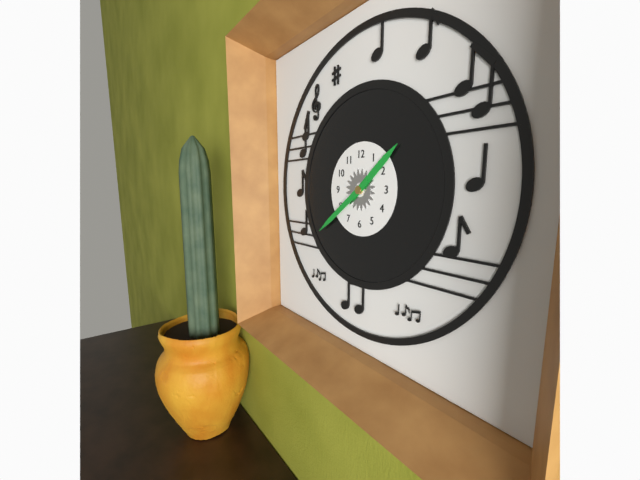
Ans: {"hour": 1, "minute": 39}
